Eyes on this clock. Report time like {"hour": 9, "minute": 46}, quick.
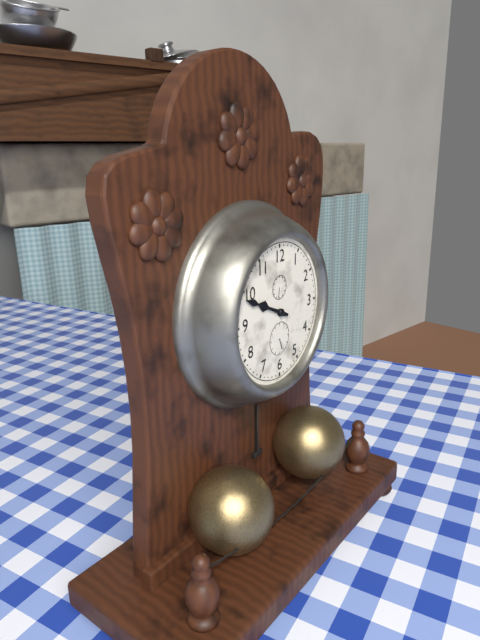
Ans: {"hour": 9, "minute": 49}
